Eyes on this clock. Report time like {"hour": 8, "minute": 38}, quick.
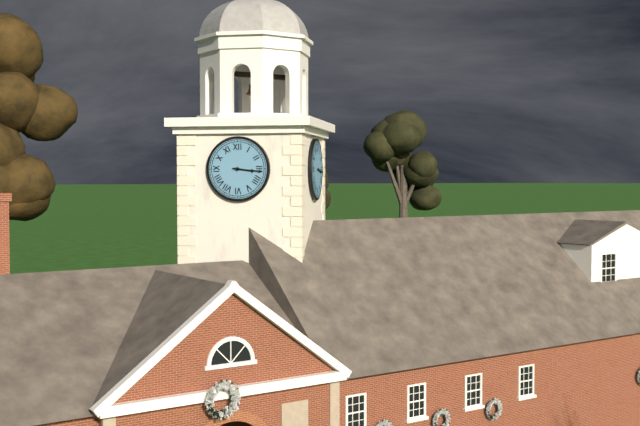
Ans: {"hour": 3, "minute": 16}
